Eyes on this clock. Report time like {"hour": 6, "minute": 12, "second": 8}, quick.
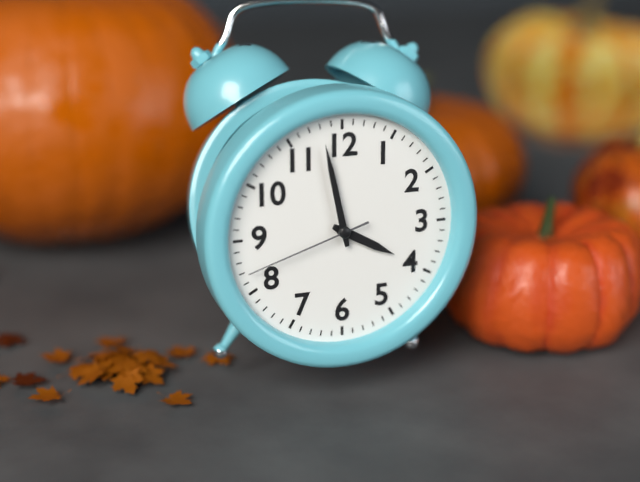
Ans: {"hour": 3, "minute": 58, "second": 42}
